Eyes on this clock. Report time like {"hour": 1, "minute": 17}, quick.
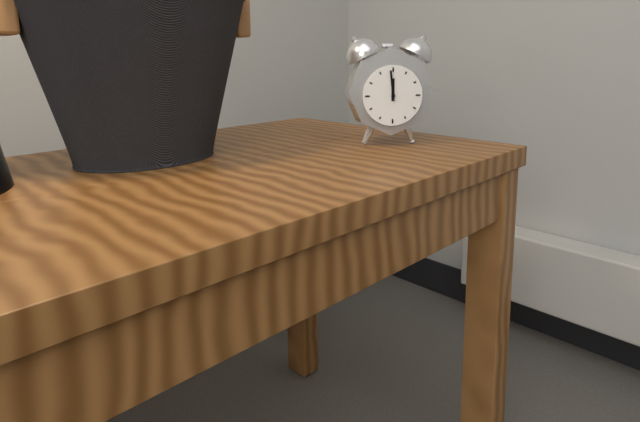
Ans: {"hour": 11, "minute": 59}
